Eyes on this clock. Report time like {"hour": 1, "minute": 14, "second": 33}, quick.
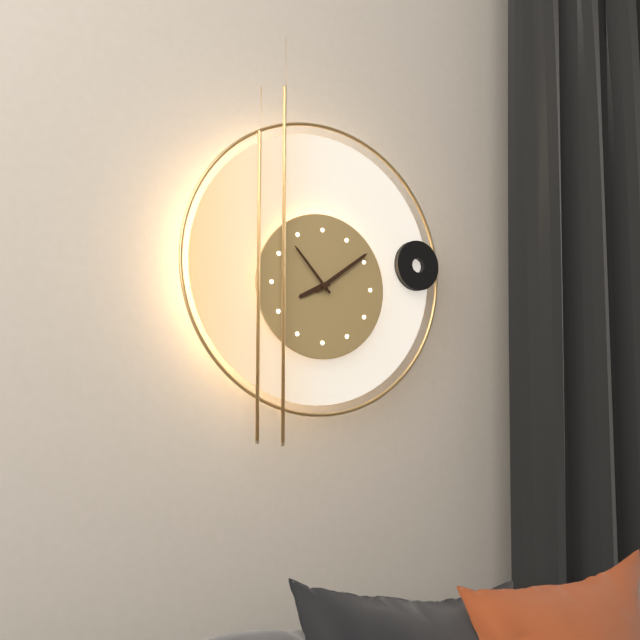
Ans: {"hour": 8, "minute": 9, "second": 53}
